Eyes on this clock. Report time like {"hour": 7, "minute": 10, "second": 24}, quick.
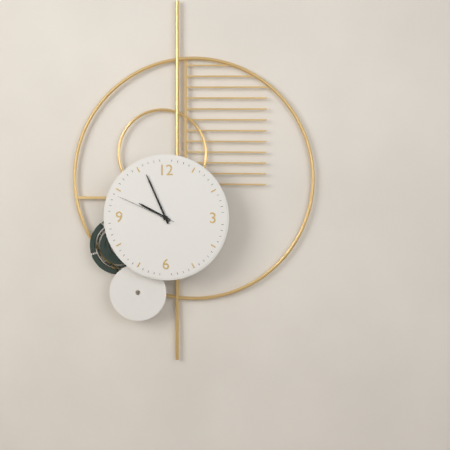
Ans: {"hour": 9, "minute": 56, "second": 49}
